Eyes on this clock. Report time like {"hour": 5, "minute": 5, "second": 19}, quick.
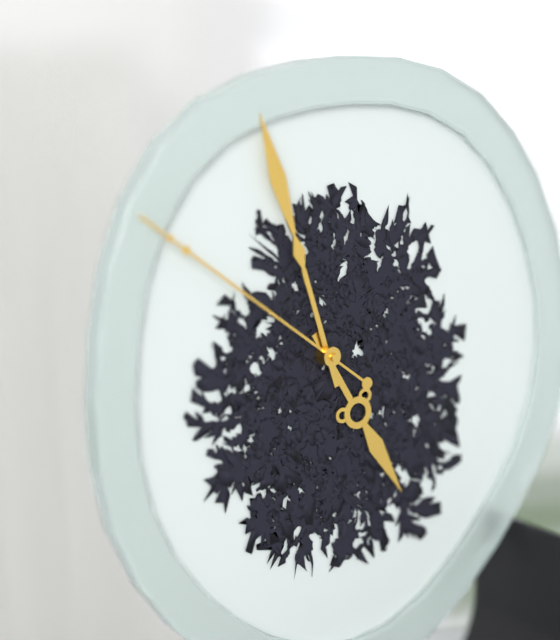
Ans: {"hour": 4, "minute": 57, "second": 51}
